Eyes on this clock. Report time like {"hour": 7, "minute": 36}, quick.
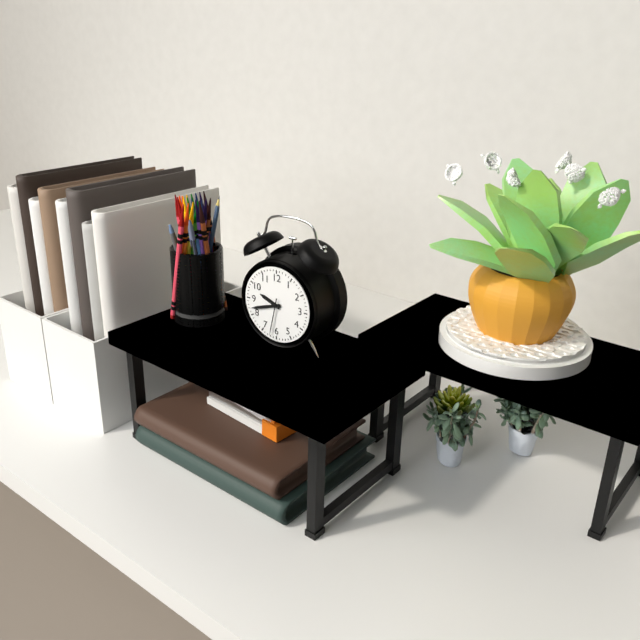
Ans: {"hour": 9, "minute": 42}
